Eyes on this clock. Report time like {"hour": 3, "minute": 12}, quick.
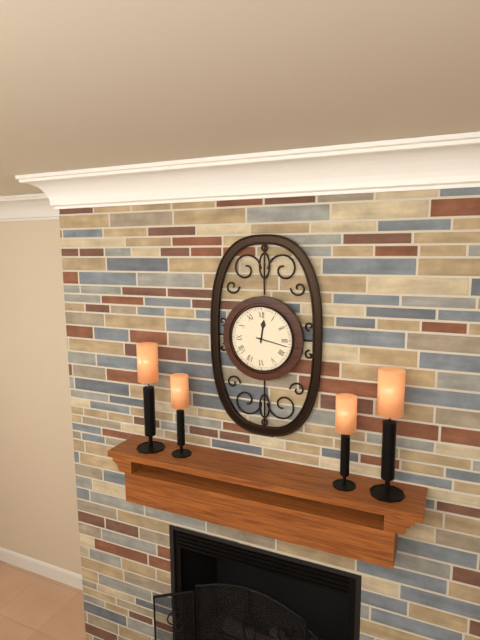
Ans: {"hour": 12, "minute": 17}
